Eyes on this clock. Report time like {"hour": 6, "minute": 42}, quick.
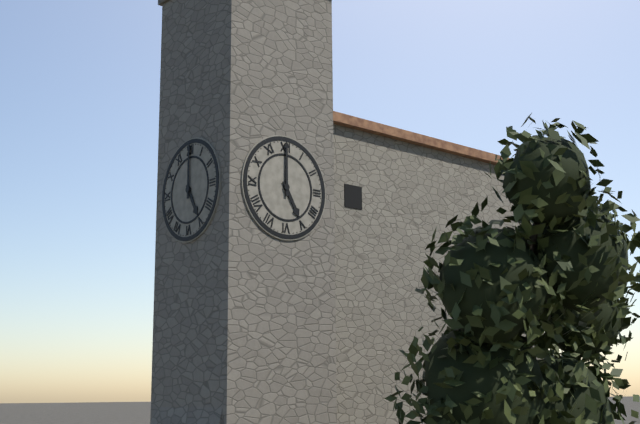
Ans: {"hour": 5, "minute": 0}
